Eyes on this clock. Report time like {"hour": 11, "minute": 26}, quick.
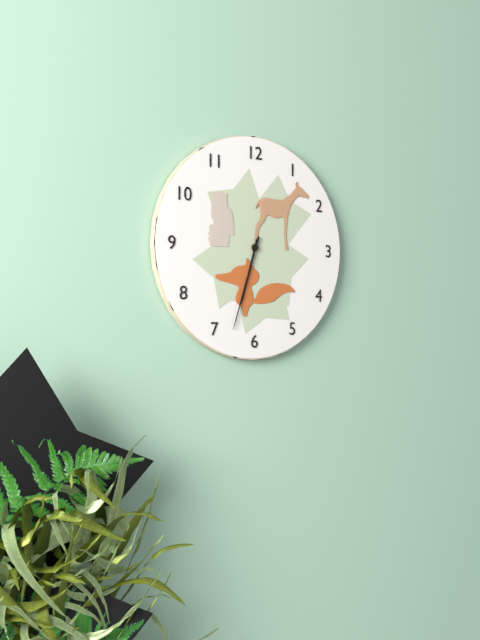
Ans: {"hour": 6, "minute": 33}
